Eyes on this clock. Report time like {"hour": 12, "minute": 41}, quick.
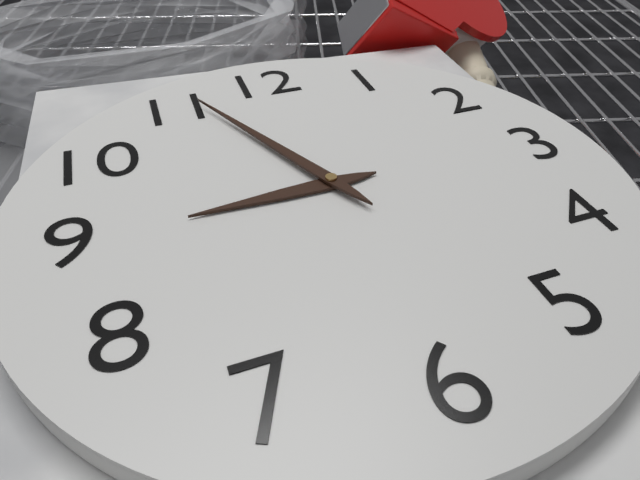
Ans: {"hour": 8, "minute": 56}
